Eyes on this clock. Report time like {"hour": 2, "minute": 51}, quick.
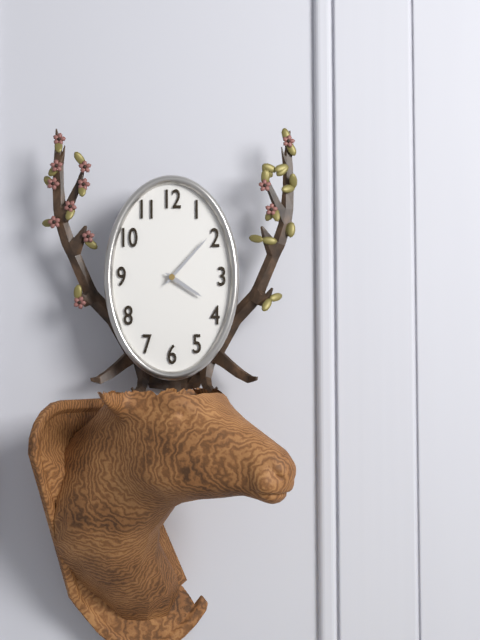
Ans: {"hour": 4, "minute": 7}
